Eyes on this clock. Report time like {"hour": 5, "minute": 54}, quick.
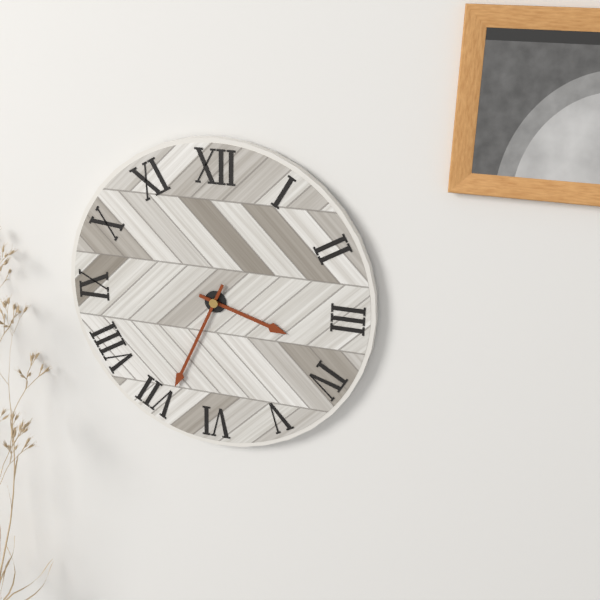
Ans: {"hour": 3, "minute": 34}
